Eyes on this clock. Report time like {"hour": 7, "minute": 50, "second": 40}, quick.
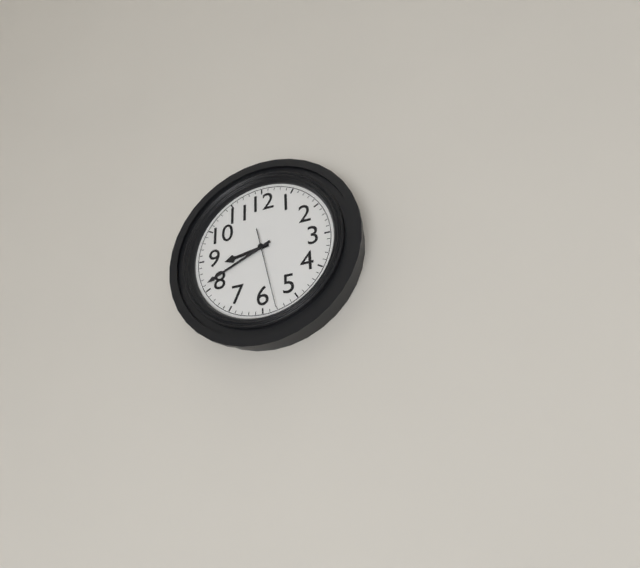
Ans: {"hour": 8, "minute": 41, "second": 28}
